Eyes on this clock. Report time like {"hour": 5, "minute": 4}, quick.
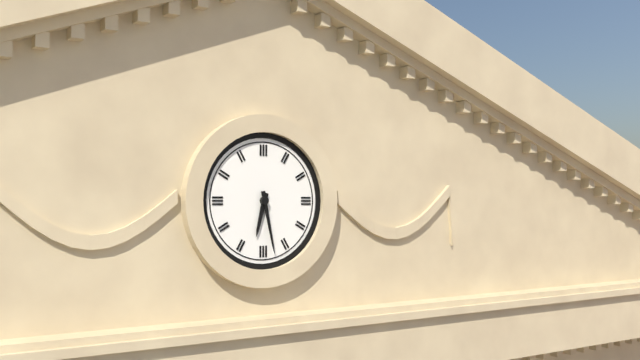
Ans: {"hour": 6, "minute": 28}
